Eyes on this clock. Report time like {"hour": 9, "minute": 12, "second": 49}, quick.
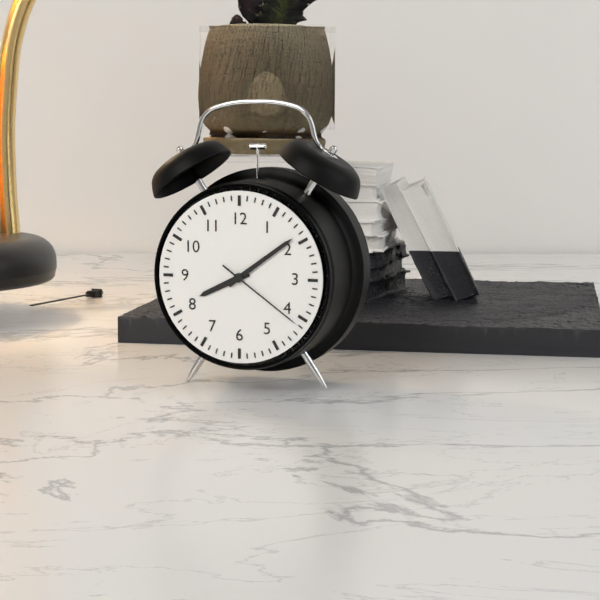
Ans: {"hour": 8, "minute": 9, "second": 21}
